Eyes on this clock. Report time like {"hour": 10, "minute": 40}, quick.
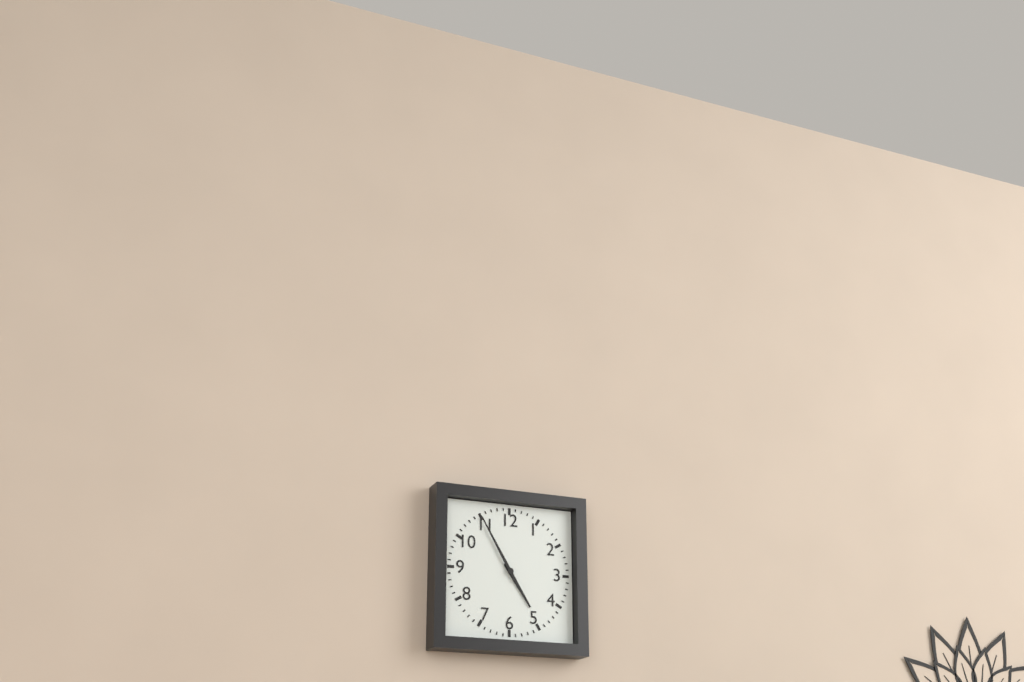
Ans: {"hour": 4, "minute": 55}
